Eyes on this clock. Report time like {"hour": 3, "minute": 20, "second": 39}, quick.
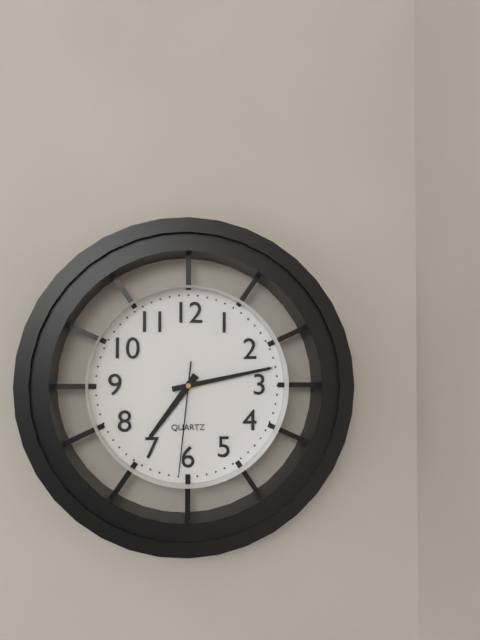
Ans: {"hour": 7, "minute": 13, "second": 31}
